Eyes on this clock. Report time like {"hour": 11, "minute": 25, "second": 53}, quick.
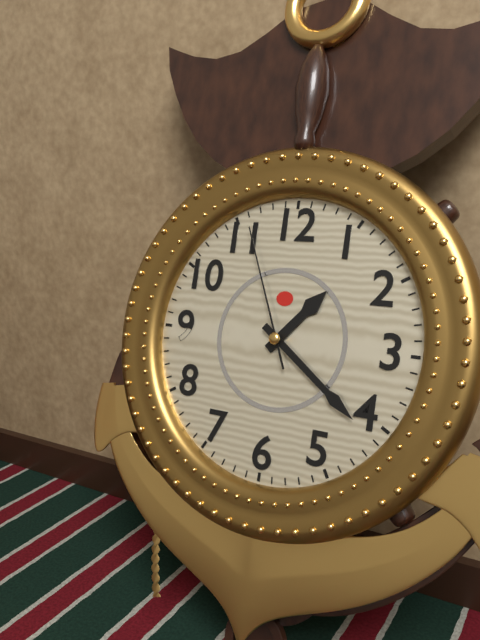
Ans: {"hour": 1, "minute": 21, "second": 56}
